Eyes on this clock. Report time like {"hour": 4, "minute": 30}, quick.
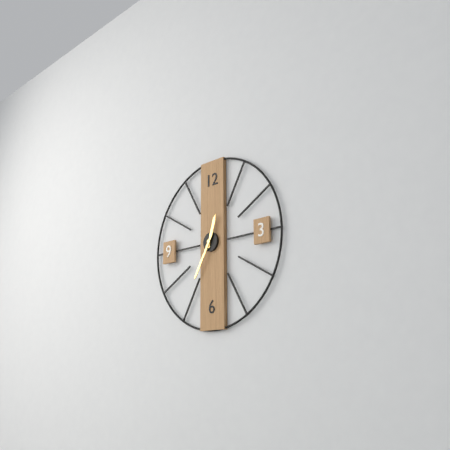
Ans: {"hour": 12, "minute": 35}
